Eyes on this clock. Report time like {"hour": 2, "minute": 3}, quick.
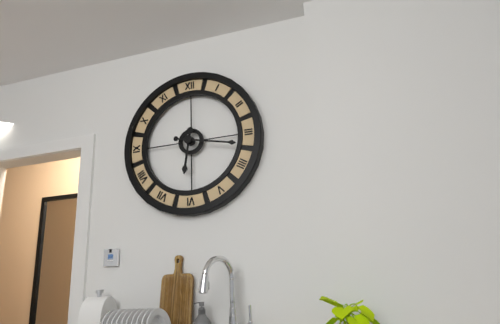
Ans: {"hour": 6, "minute": 17}
